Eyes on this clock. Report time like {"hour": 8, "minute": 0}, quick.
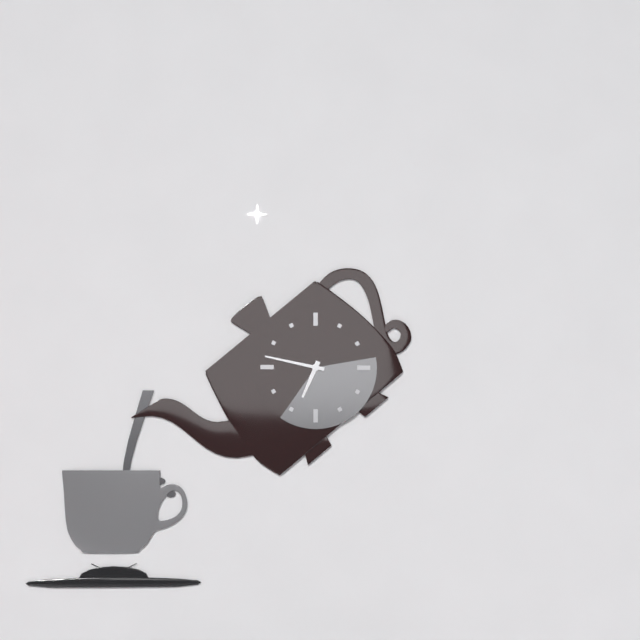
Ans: {"hour": 6, "minute": 47}
